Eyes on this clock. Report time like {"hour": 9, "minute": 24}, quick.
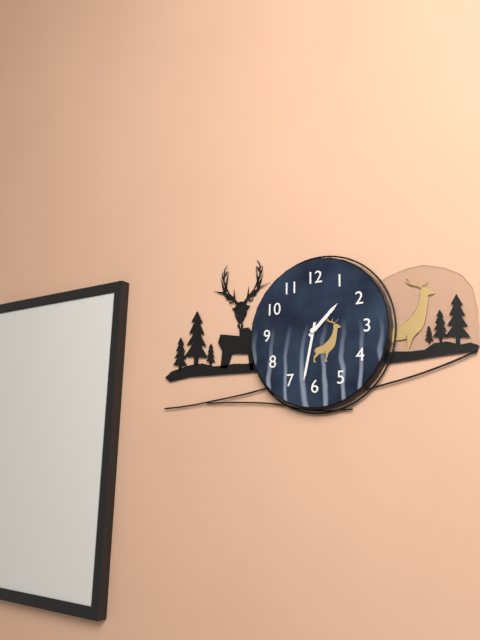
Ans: {"hour": 1, "minute": 32}
